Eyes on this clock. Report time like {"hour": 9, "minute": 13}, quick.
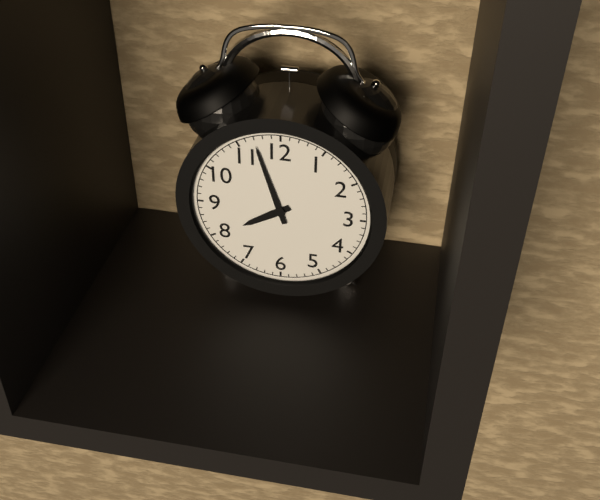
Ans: {"hour": 7, "minute": 57}
